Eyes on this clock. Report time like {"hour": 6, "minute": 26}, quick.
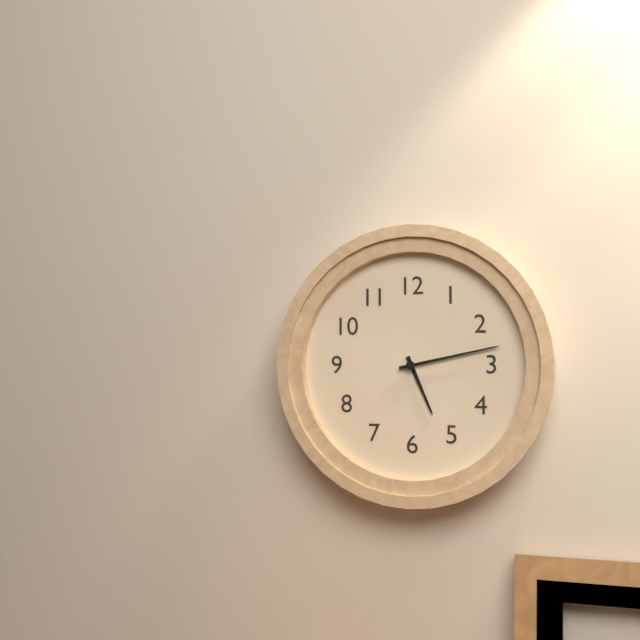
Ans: {"hour": 5, "minute": 13}
